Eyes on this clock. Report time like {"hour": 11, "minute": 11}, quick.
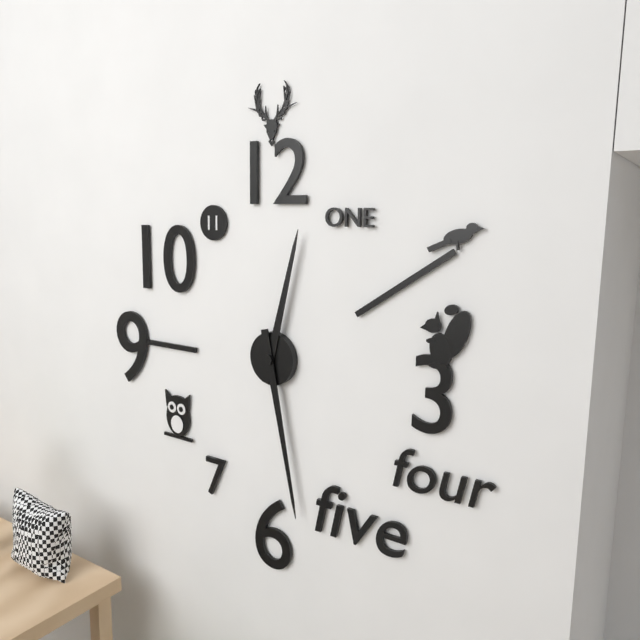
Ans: {"hour": 12, "minute": 28}
